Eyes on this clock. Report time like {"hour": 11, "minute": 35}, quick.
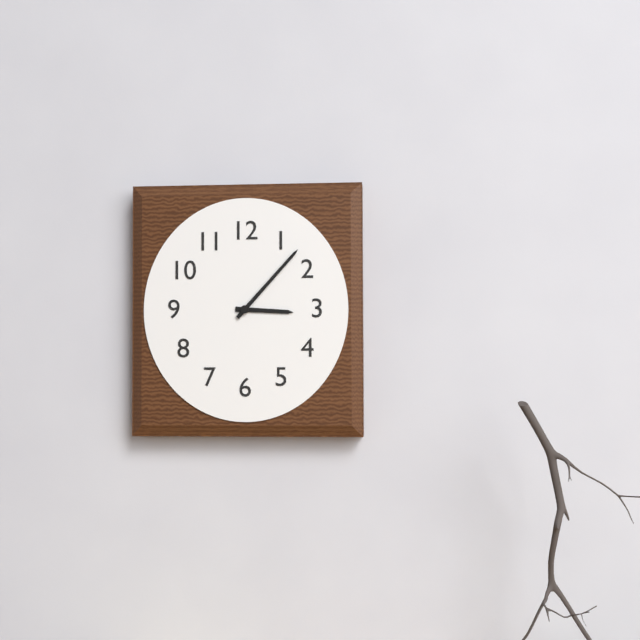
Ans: {"hour": 3, "minute": 7}
